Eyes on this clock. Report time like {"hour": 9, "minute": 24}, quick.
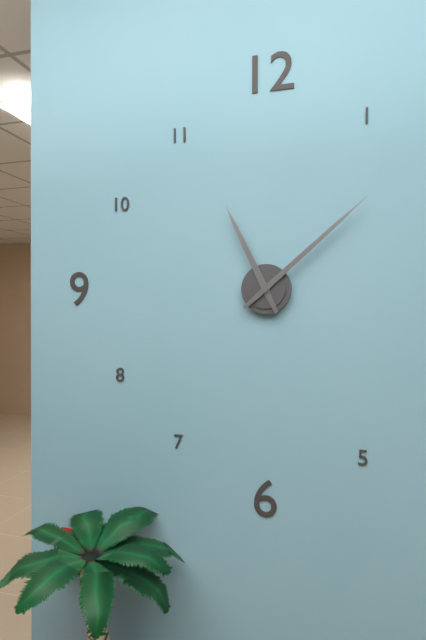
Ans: {"hour": 11, "minute": 8}
